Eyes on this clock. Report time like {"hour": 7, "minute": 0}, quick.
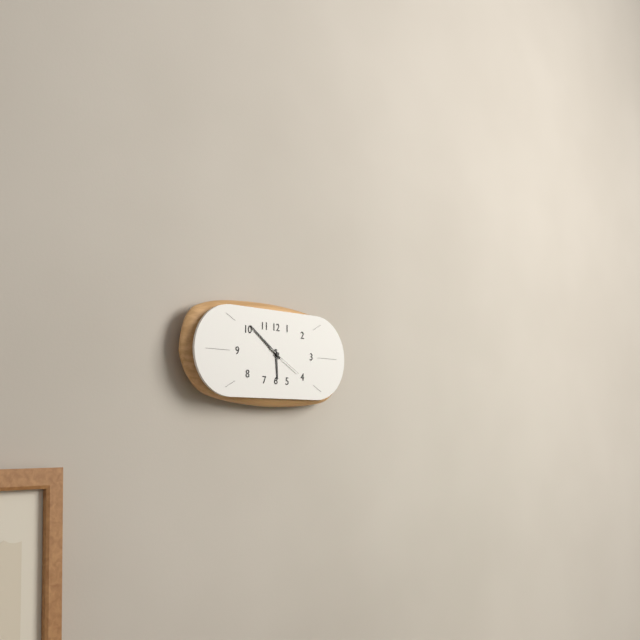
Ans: {"hour": 5, "minute": 51}
